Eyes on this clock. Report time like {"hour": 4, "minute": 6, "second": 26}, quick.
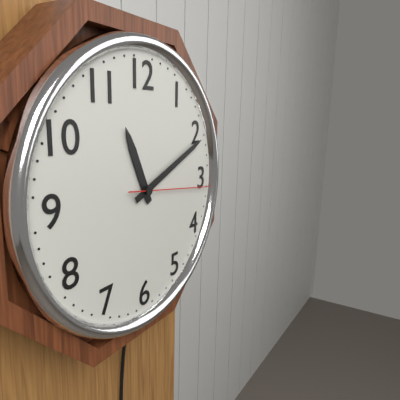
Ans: {"hour": 11, "minute": 11, "second": 16}
